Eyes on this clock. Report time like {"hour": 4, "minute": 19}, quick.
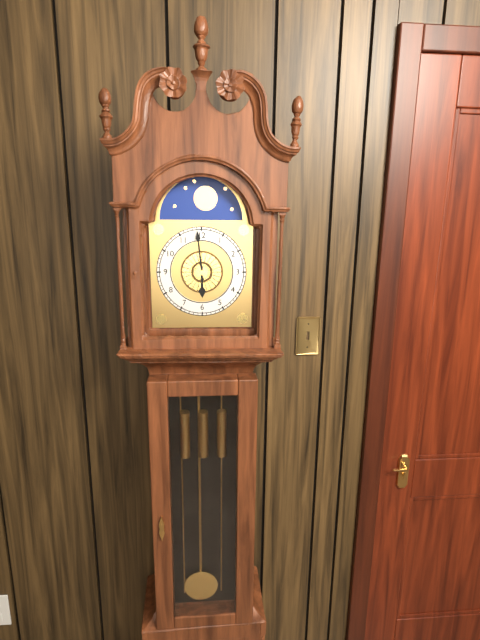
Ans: {"hour": 5, "minute": 59}
